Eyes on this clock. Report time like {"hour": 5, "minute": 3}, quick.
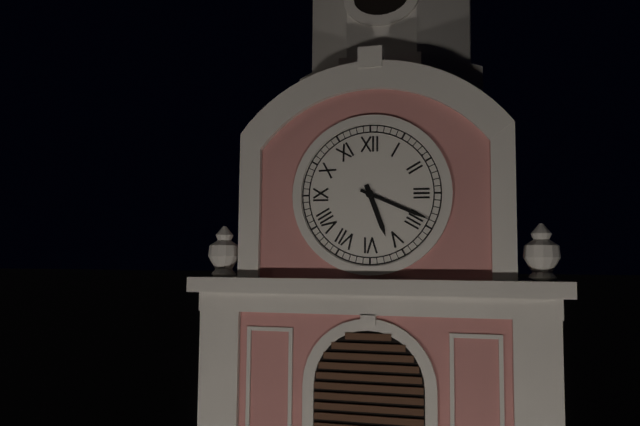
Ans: {"hour": 5, "minute": 19}
